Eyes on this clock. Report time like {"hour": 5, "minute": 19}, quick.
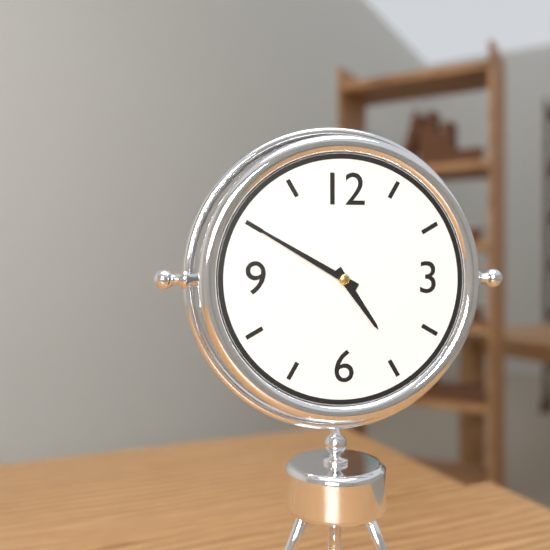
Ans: {"hour": 4, "minute": 50}
